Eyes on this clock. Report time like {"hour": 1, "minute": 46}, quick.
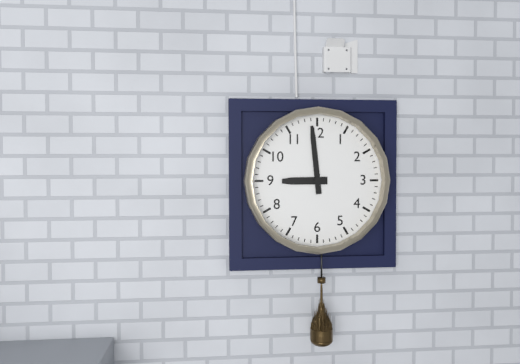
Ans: {"hour": 8, "minute": 59}
